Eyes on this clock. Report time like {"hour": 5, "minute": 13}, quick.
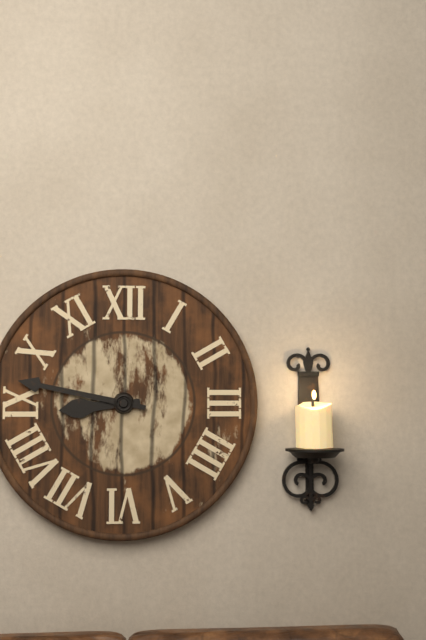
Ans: {"hour": 8, "minute": 47}
